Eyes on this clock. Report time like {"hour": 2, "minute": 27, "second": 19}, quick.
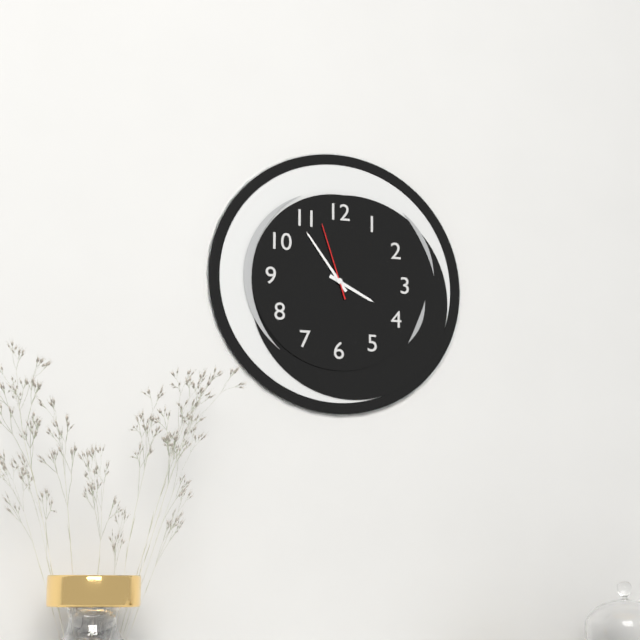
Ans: {"hour": 3, "minute": 54, "second": 57}
